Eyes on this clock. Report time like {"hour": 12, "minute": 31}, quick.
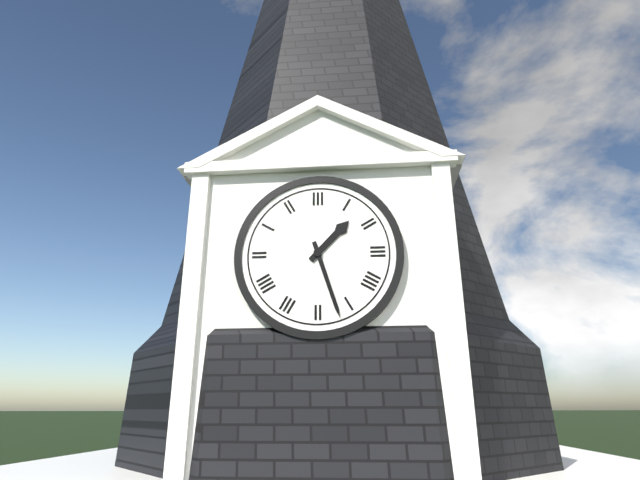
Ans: {"hour": 1, "minute": 27}
